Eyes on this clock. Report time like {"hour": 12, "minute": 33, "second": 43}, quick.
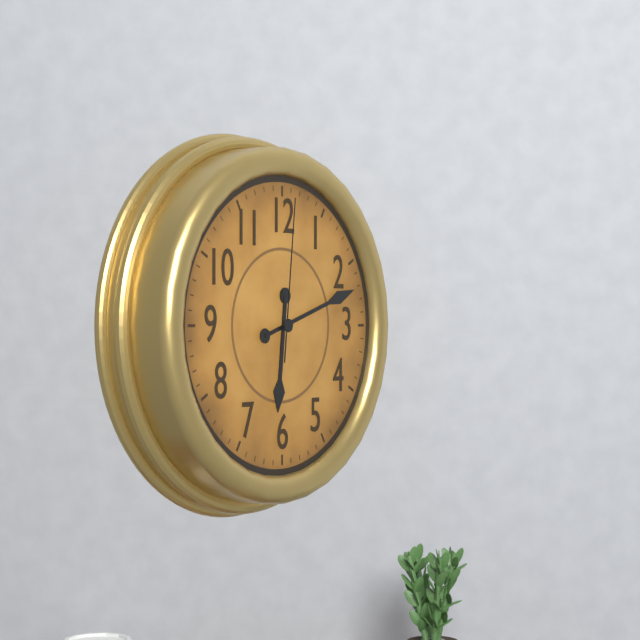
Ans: {"hour": 6, "minute": 12, "second": 1}
